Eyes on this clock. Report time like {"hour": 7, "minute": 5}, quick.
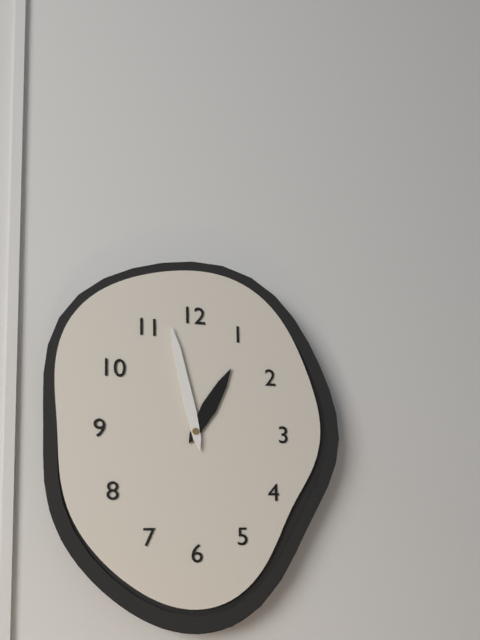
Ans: {"hour": 12, "minute": 58}
